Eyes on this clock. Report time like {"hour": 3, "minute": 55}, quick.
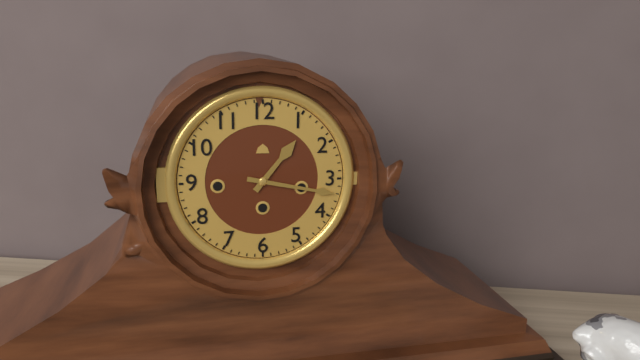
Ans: {"hour": 1, "minute": 17}
